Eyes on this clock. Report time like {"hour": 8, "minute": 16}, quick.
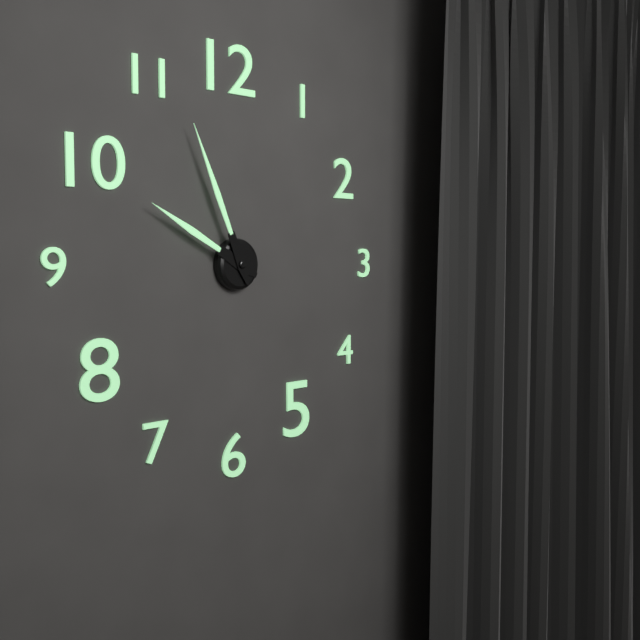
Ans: {"hour": 9, "minute": 56}
